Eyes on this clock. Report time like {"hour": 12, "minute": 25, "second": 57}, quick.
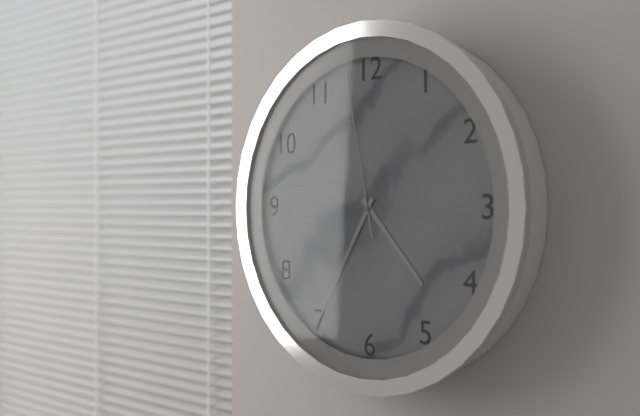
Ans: {"hour": 4, "minute": 35, "second": 58}
